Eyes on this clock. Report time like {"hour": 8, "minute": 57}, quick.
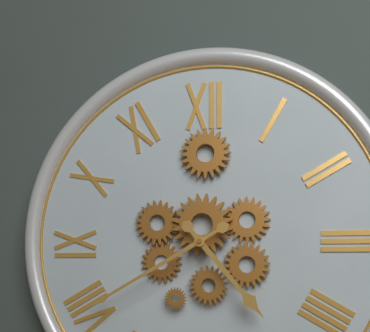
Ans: {"hour": 4, "minute": 40}
